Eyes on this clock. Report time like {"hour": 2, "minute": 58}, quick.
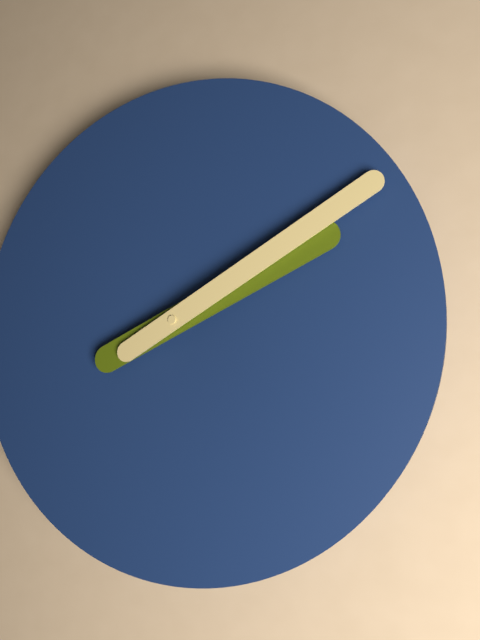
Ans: {"hour": 2, "minute": 10}
